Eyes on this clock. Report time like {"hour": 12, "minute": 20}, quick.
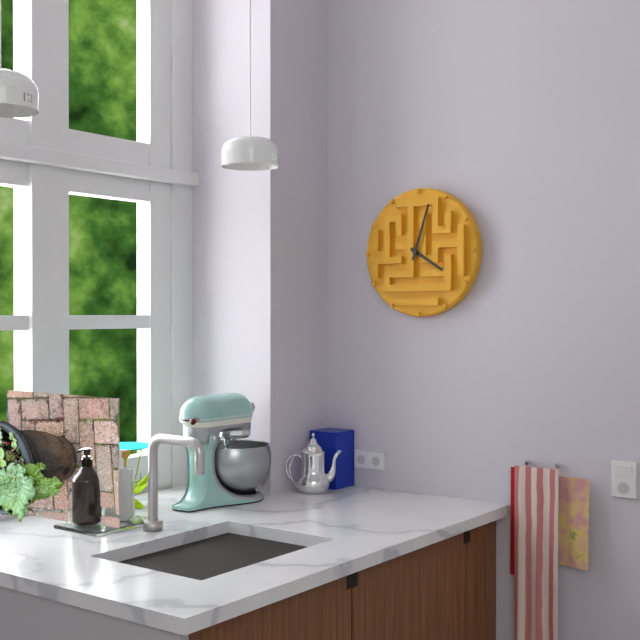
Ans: {"hour": 4, "minute": 3}
